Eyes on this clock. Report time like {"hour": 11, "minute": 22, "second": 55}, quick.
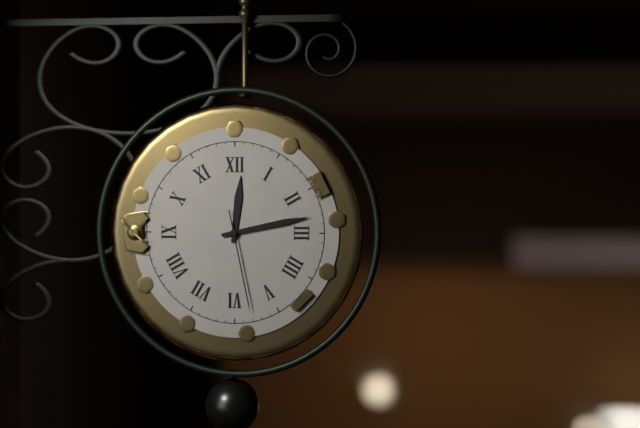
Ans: {"hour": 12, "minute": 13, "second": 28}
